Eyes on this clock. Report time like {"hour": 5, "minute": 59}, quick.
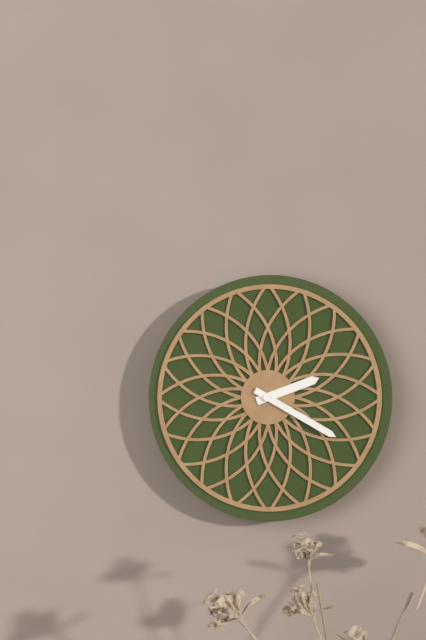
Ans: {"hour": 2, "minute": 20}
